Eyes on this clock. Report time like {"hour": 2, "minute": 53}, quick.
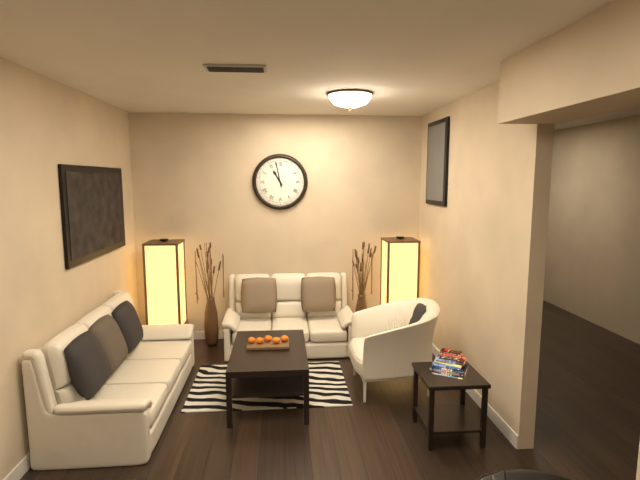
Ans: {"hour": 10, "minute": 58}
